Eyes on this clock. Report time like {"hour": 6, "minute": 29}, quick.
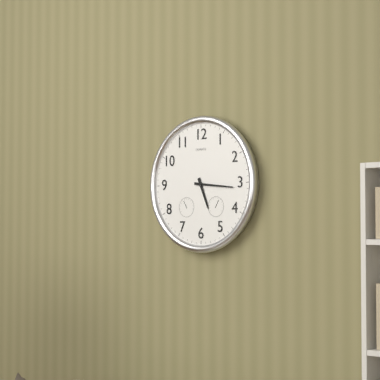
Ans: {"hour": 5, "minute": 16}
